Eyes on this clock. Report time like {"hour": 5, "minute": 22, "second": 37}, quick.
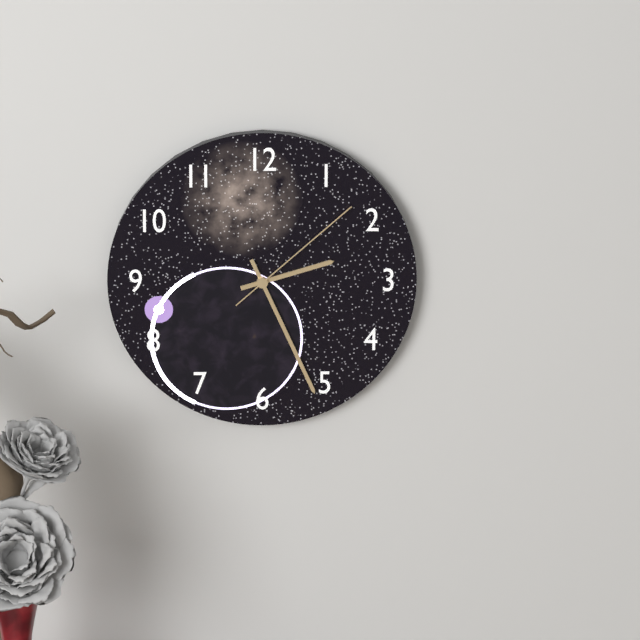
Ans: {"hour": 2, "minute": 26, "second": 8}
